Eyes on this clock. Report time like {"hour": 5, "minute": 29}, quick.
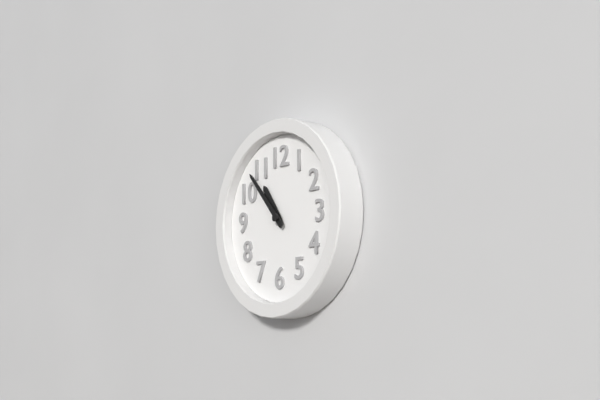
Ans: {"hour": 10, "minute": 53}
